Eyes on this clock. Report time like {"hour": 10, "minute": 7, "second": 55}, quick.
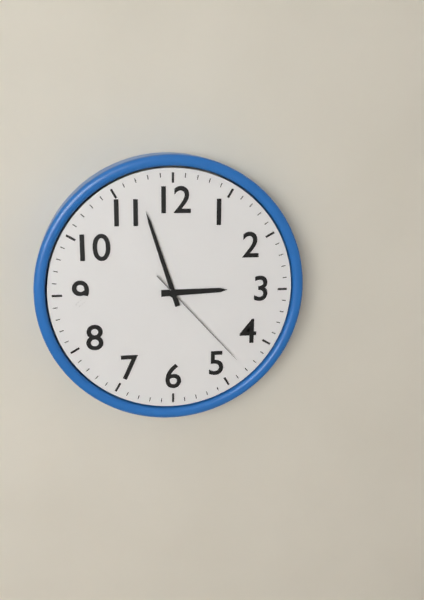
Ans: {"hour": 2, "minute": 57, "second": 23}
